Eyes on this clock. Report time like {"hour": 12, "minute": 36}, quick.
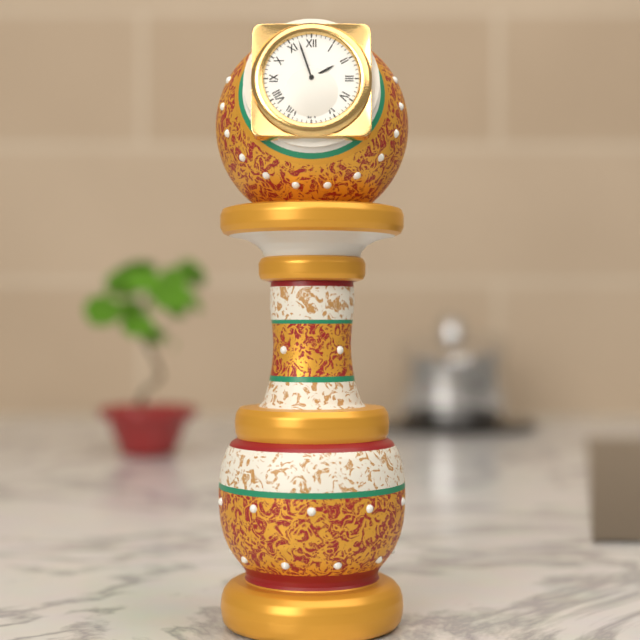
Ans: {"hour": 1, "minute": 57}
